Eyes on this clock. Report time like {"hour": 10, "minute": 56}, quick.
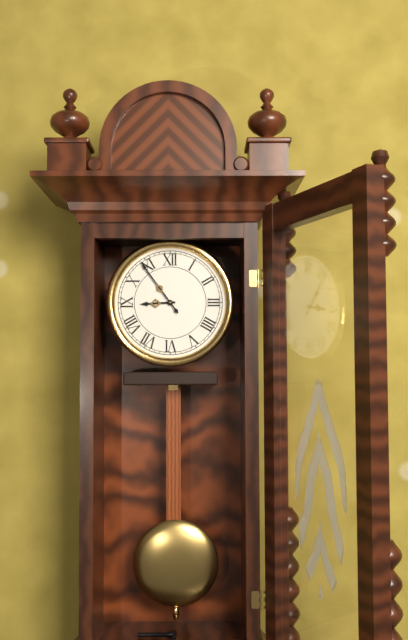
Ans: {"hour": 8, "minute": 54}
